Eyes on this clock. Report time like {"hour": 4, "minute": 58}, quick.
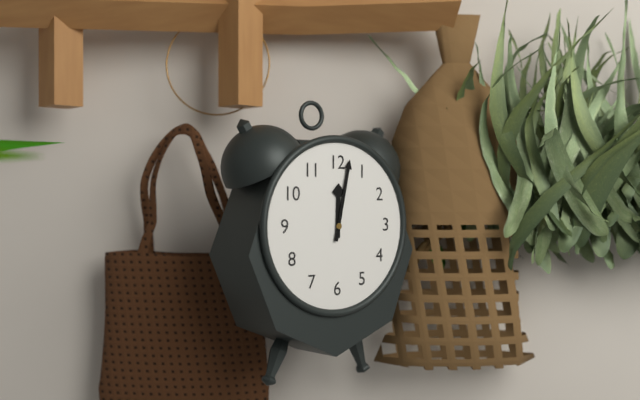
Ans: {"hour": 12, "minute": 2}
